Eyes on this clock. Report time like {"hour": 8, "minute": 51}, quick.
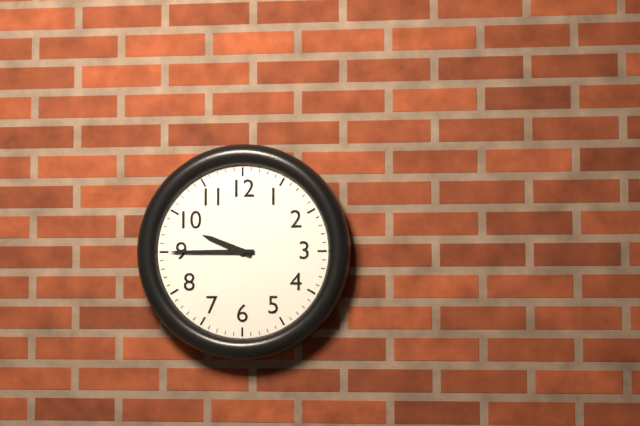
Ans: {"hour": 9, "minute": 45}
